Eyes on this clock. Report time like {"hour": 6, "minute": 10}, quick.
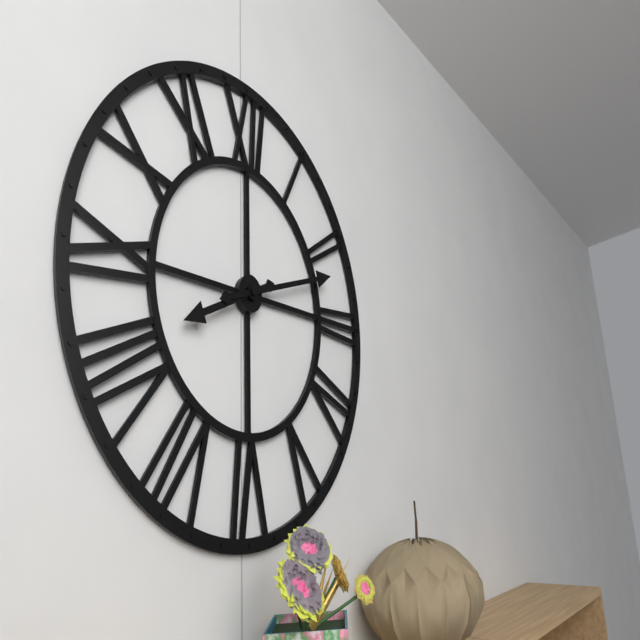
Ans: {"hour": 8, "minute": 12}
